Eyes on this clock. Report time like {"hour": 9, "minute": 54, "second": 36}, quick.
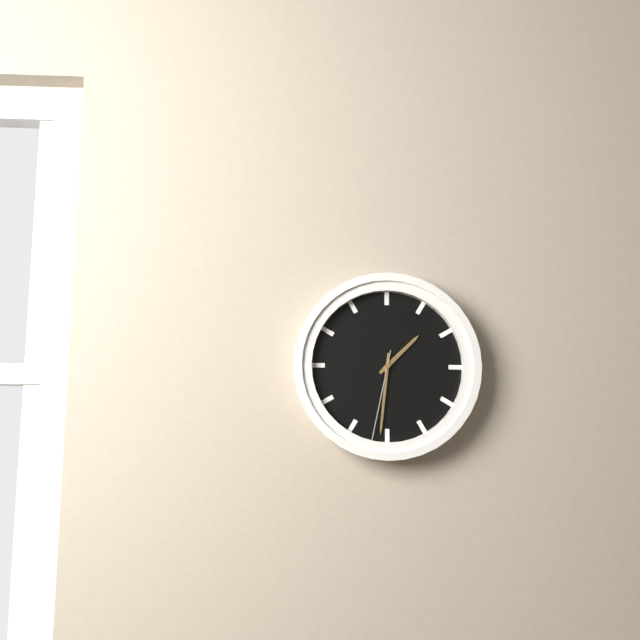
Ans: {"hour": 1, "minute": 31, "second": 32}
